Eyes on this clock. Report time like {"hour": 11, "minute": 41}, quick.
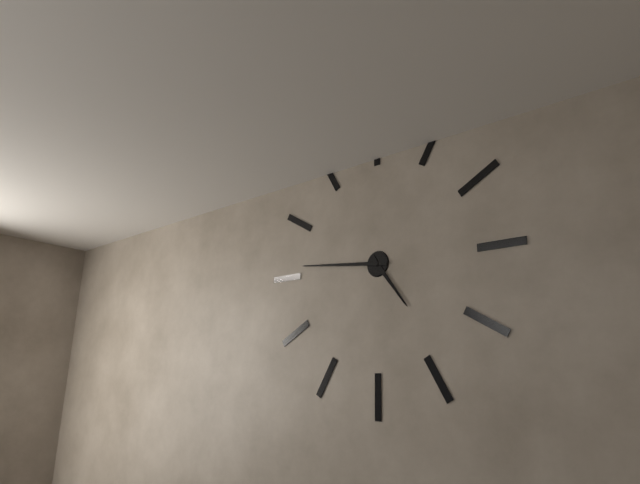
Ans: {"hour": 4, "minute": 46}
